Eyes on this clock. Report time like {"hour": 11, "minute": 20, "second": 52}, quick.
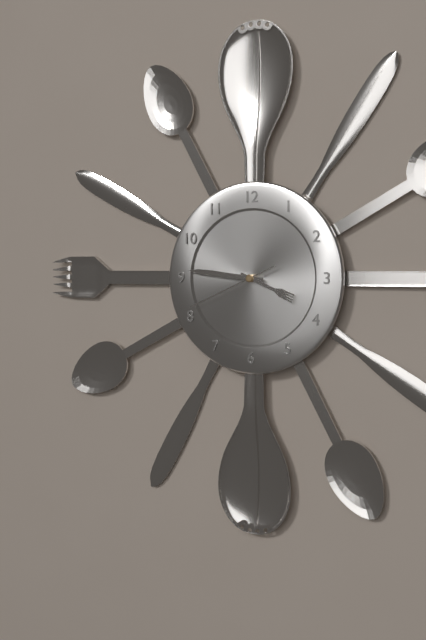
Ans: {"hour": 3, "minute": 46, "second": 41}
